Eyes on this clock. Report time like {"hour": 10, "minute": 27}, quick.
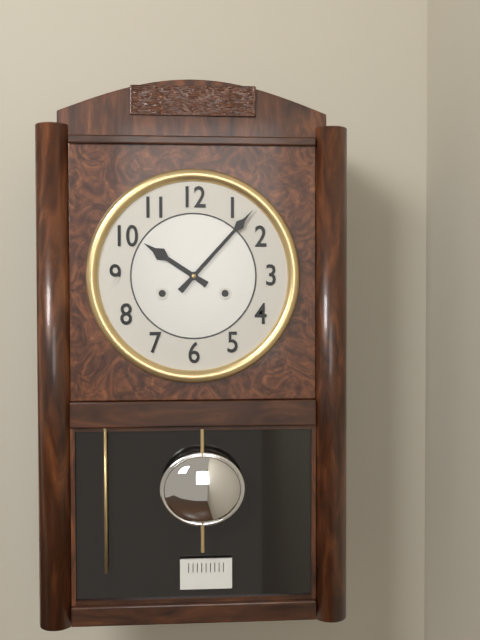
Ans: {"hour": 10, "minute": 7}
